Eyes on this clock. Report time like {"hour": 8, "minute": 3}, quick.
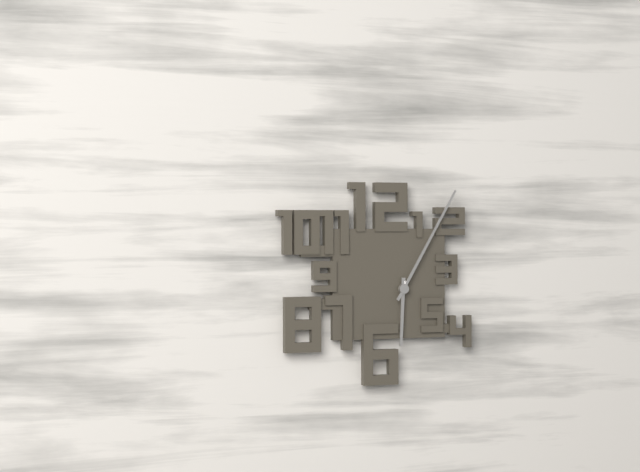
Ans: {"hour": 6, "minute": 5}
